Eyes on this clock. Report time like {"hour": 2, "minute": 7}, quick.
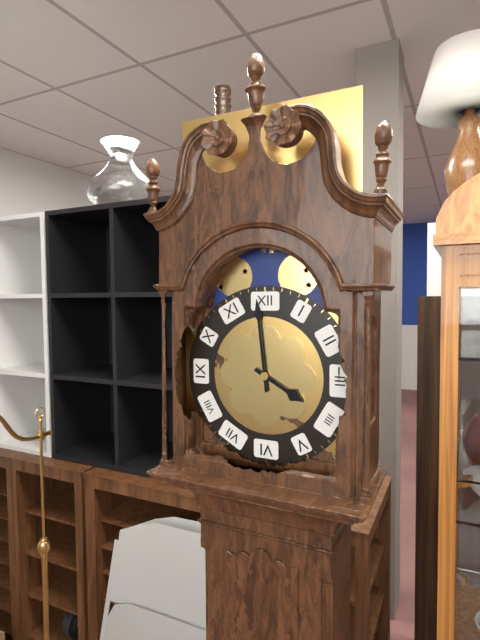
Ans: {"hour": 3, "minute": 59}
